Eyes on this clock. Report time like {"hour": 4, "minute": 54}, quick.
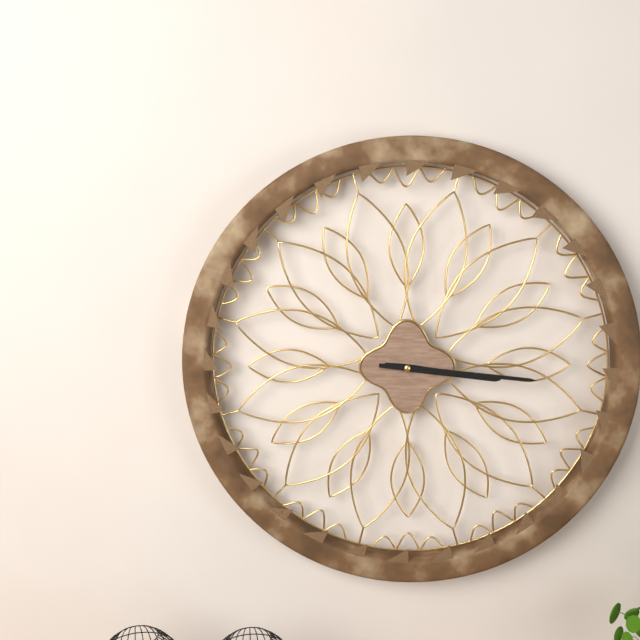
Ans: {"hour": 3, "minute": 16}
